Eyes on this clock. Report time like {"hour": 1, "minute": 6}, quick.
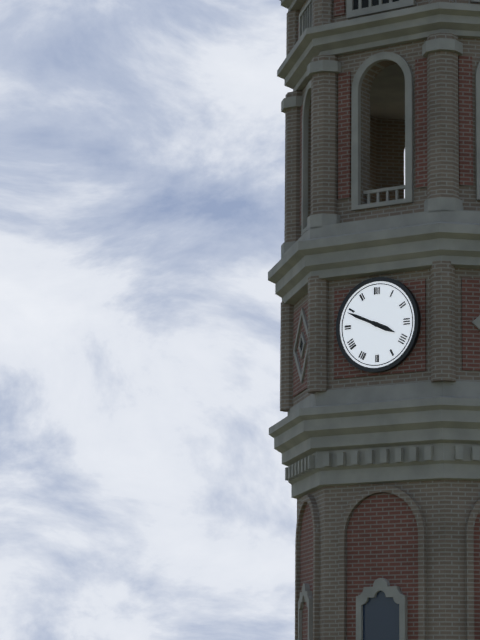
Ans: {"hour": 3, "minute": 49}
